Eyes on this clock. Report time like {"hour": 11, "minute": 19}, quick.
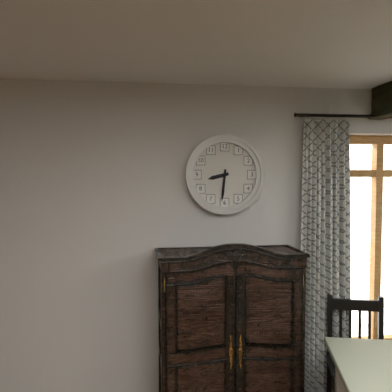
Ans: {"hour": 8, "minute": 31}
